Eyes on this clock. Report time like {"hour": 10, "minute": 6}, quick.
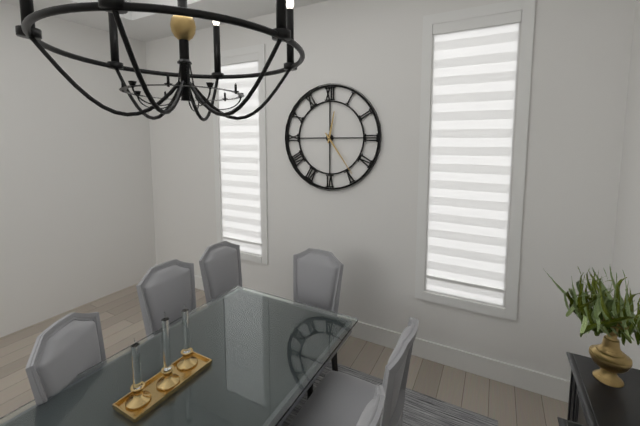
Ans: {"hour": 12, "minute": 24}
